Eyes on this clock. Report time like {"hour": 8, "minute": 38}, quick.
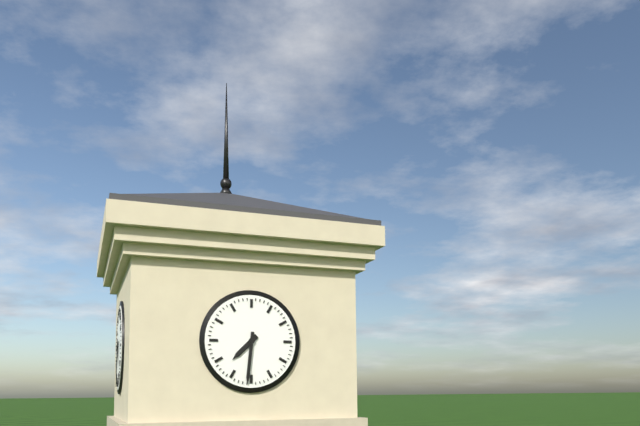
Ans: {"hour": 7, "minute": 31}
